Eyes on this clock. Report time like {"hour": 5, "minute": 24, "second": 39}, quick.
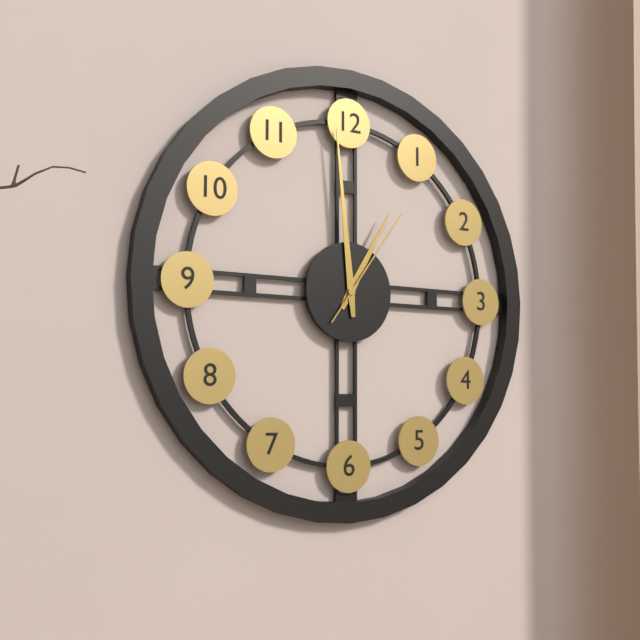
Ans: {"hour": 12, "minute": 59, "second": 6}
